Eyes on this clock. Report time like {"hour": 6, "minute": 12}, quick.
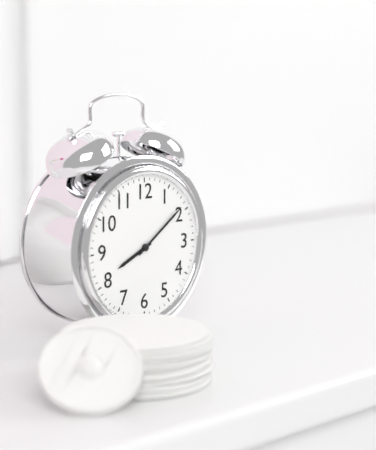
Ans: {"hour": 8, "minute": 9}
